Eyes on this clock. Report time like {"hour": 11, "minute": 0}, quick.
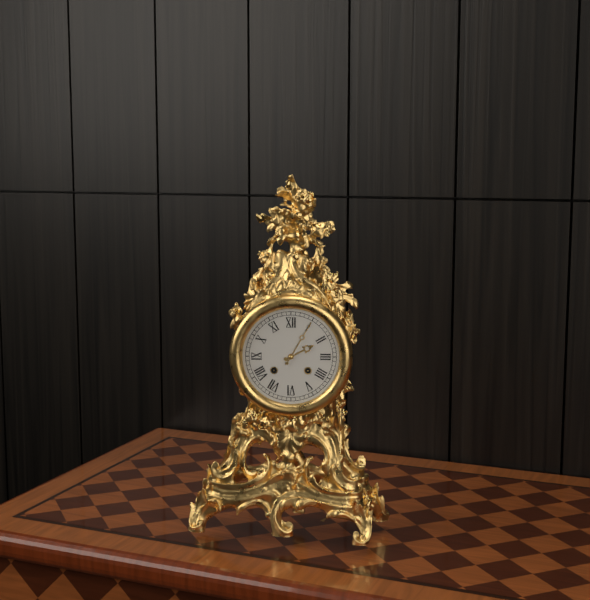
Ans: {"hour": 2, "minute": 5}
